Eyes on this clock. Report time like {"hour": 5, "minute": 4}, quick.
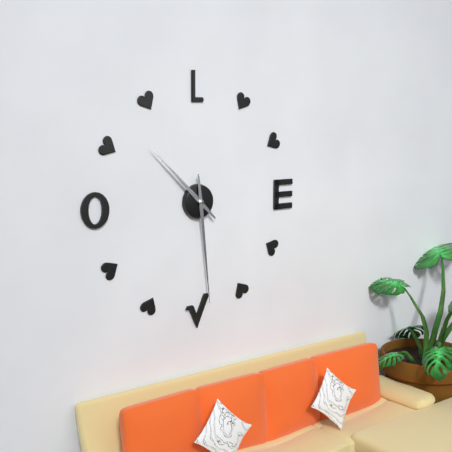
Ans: {"hour": 10, "minute": 29}
